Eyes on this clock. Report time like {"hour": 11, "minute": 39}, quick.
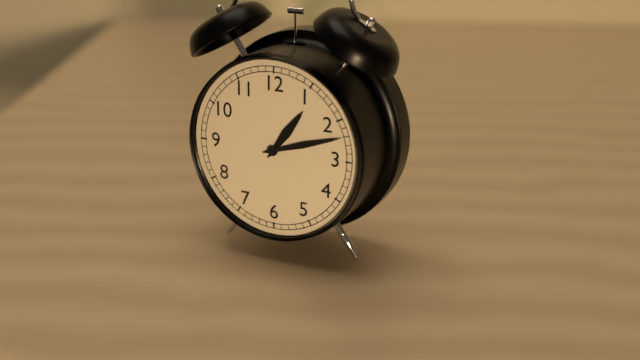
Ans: {"hour": 1, "minute": 12}
